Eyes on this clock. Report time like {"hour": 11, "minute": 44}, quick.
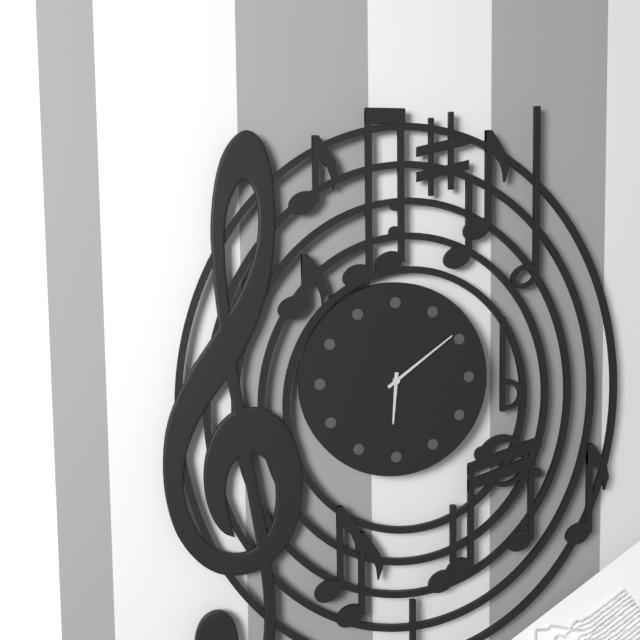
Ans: {"hour": 6, "minute": 9}
